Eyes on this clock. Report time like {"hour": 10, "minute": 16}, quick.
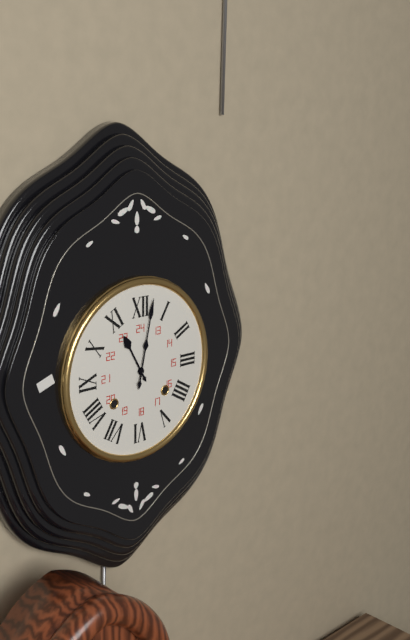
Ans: {"hour": 11, "minute": 2}
